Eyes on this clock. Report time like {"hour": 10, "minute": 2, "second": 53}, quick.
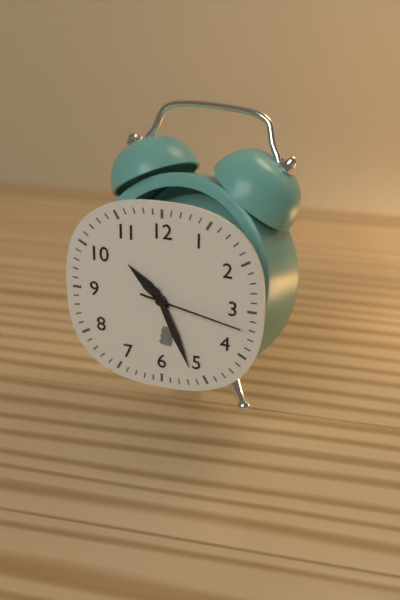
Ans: {"hour": 10, "minute": 26, "second": 17}
